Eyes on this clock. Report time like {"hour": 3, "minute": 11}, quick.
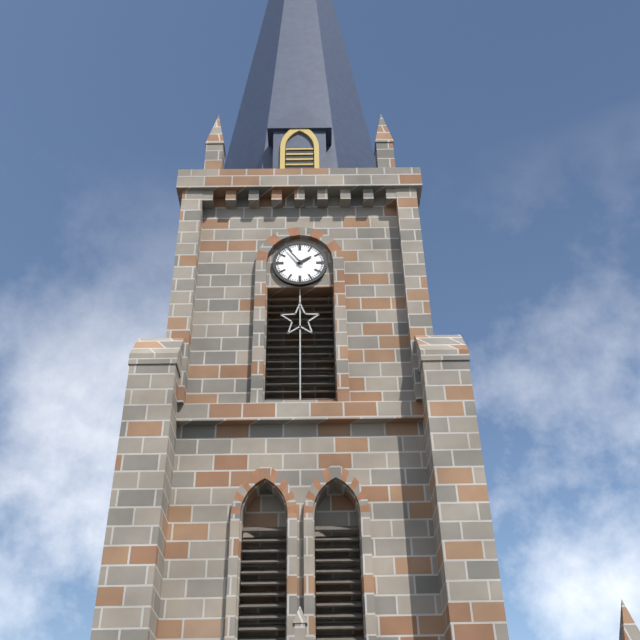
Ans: {"hour": 1, "minute": 54}
